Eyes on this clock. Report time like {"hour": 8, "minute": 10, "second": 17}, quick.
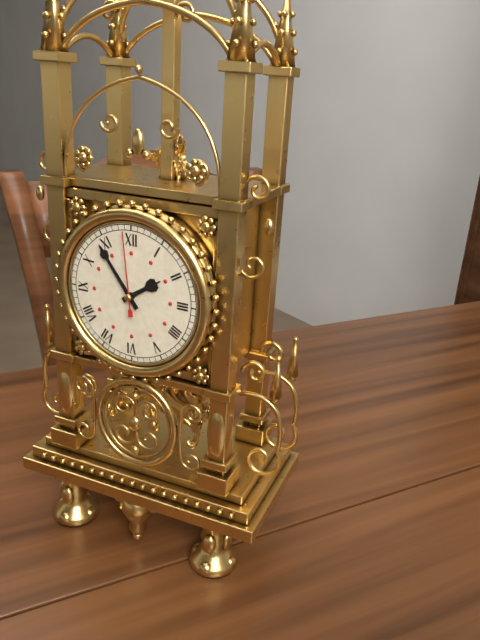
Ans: {"hour": 1, "minute": 54, "second": 59}
